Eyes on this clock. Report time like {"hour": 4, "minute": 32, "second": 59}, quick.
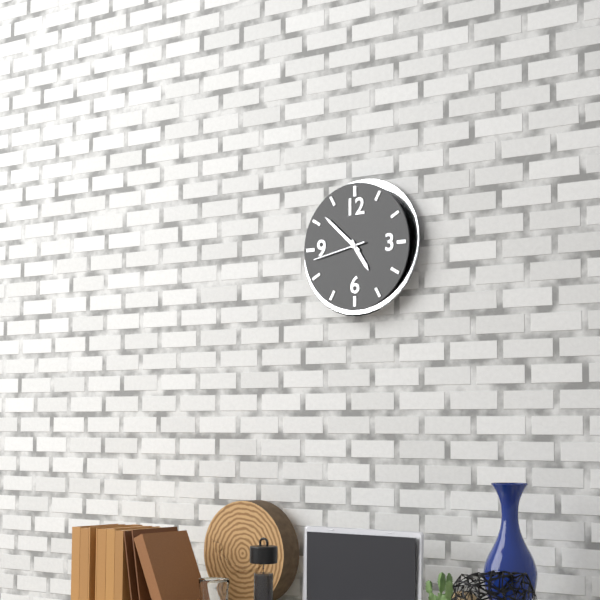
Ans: {"hour": 4, "minute": 52, "second": 43}
